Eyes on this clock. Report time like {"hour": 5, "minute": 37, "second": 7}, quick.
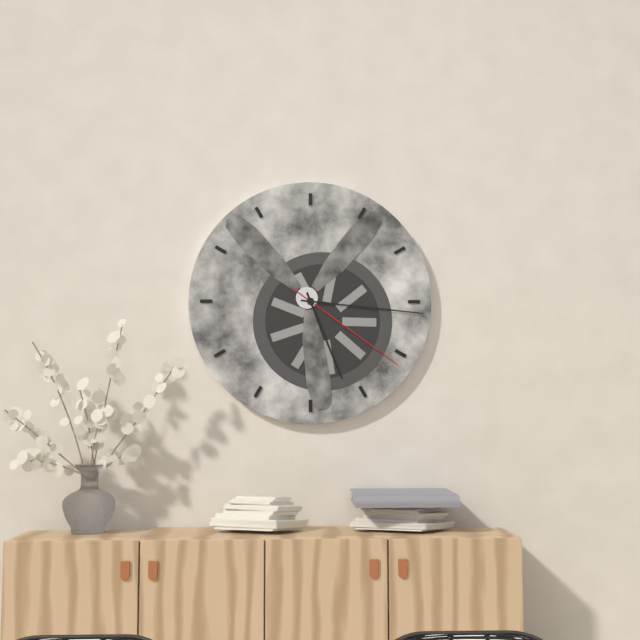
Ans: {"hour": 5, "minute": 16, "second": 21}
